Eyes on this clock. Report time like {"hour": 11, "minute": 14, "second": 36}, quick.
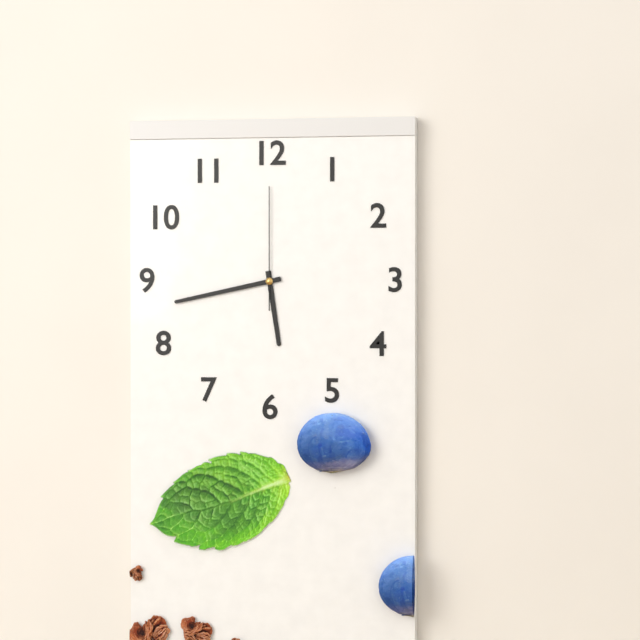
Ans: {"hour": 5, "minute": 43, "second": 0}
